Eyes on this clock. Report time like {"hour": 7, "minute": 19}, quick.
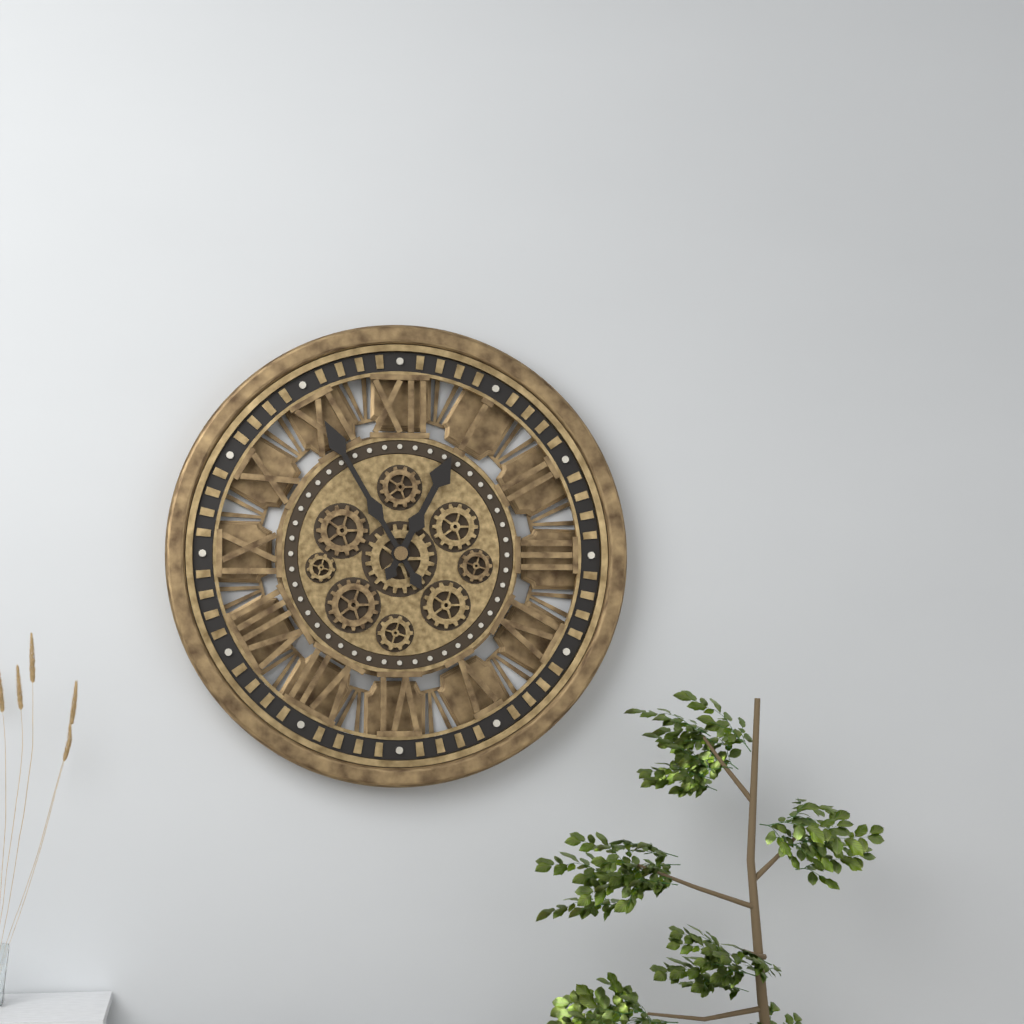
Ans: {"hour": 12, "minute": 55}
